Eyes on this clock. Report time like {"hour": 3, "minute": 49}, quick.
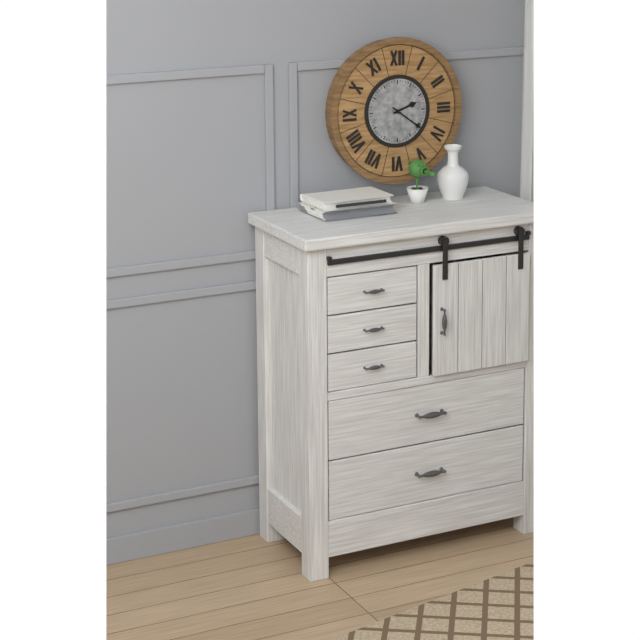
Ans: {"hour": 2, "minute": 21}
